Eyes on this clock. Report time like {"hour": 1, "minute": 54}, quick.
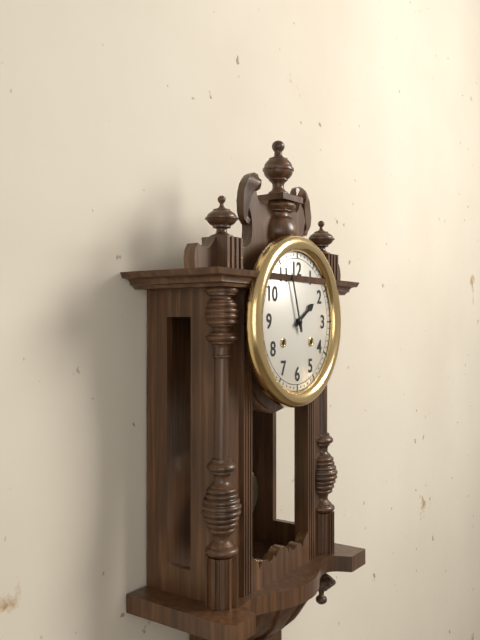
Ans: {"hour": 1, "minute": 57}
